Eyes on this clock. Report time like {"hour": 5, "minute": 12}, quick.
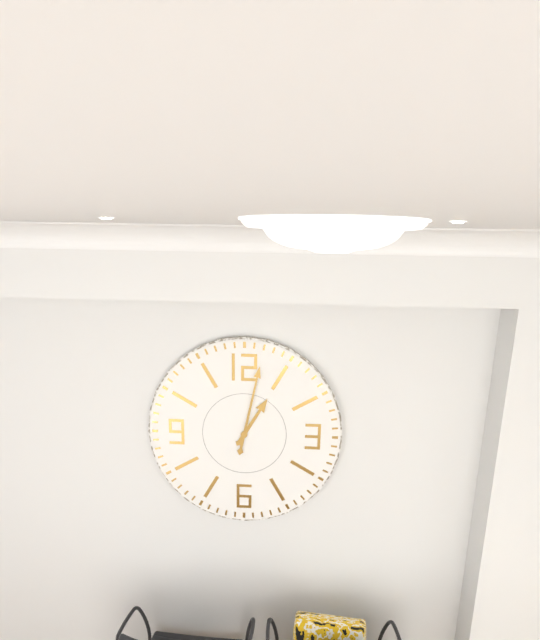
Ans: {"hour": 1, "minute": 2}
